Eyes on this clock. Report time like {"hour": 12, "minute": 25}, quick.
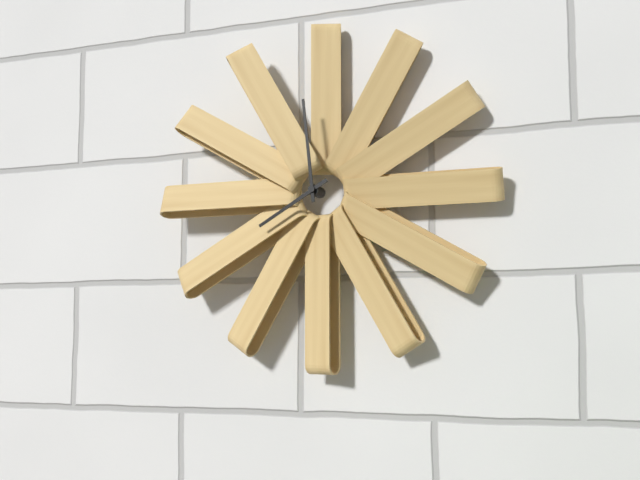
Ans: {"hour": 7, "minute": 59}
